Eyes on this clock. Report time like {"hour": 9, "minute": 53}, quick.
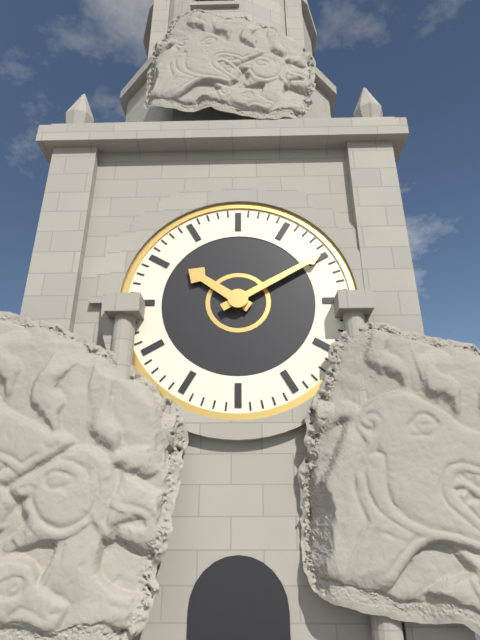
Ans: {"hour": 10, "minute": 10}
